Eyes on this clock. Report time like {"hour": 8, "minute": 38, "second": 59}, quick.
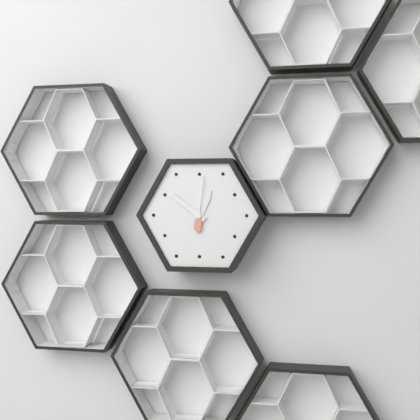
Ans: {"hour": 12, "minute": 51, "second": 1}
